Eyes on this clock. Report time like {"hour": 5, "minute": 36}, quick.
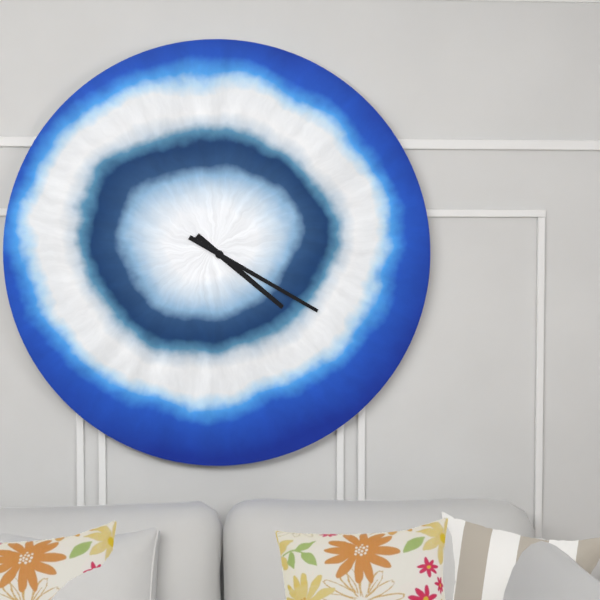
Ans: {"hour": 4, "minute": 20}
